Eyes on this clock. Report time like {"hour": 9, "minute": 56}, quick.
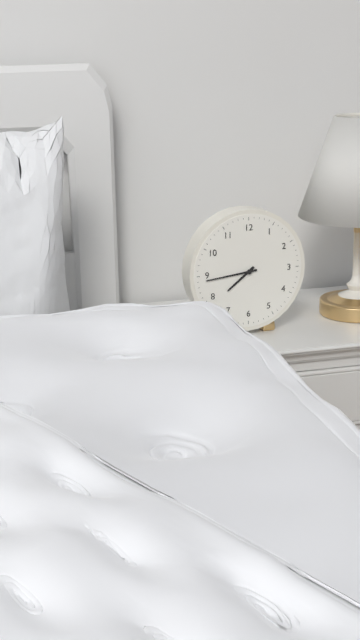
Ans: {"hour": 7, "minute": 44}
